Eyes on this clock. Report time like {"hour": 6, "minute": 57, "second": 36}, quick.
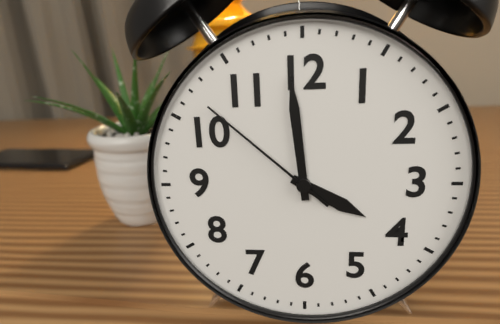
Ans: {"hour": 3, "minute": 59, "second": 52}
